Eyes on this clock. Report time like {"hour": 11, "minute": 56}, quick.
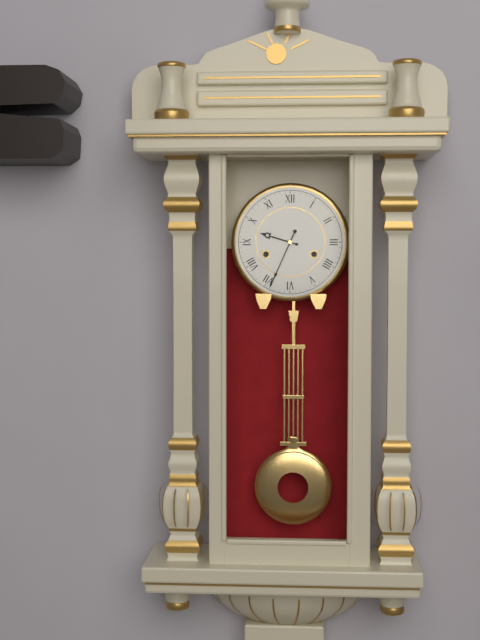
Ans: {"hour": 9, "minute": 34}
